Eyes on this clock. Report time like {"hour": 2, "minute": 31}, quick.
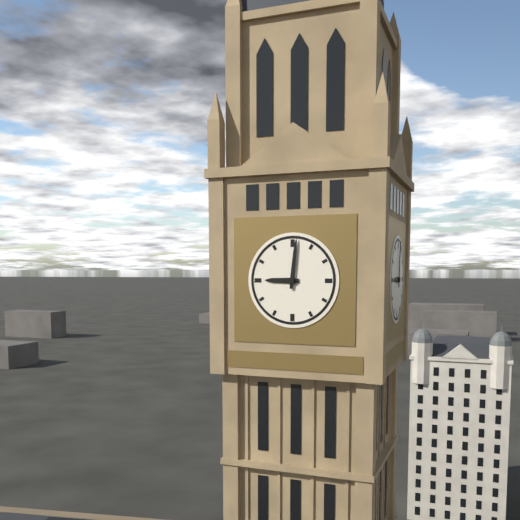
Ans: {"hour": 9, "minute": 1}
